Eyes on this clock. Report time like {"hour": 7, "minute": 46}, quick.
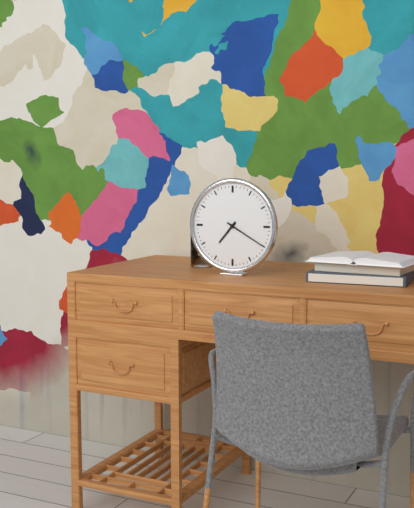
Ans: {"hour": 7, "minute": 20}
